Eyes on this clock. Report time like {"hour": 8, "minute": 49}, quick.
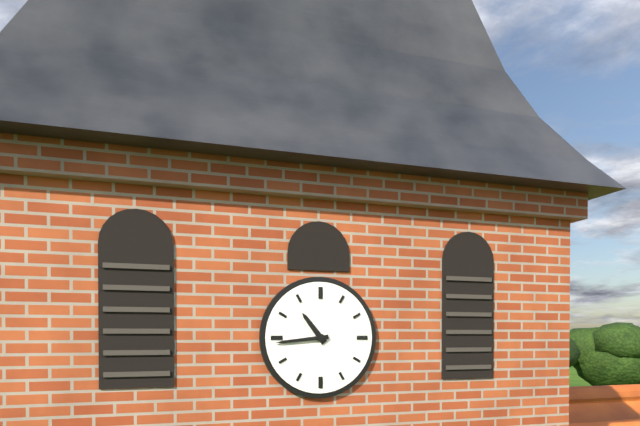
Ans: {"hour": 10, "minute": 44}
